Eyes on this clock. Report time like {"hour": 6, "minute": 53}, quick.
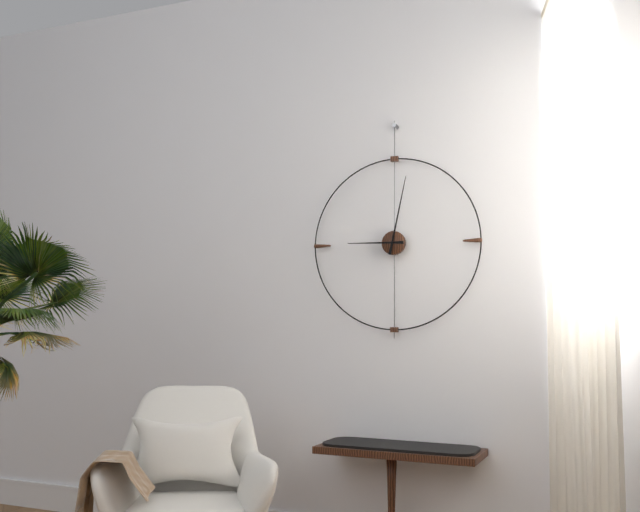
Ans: {"hour": 9, "minute": 2}
